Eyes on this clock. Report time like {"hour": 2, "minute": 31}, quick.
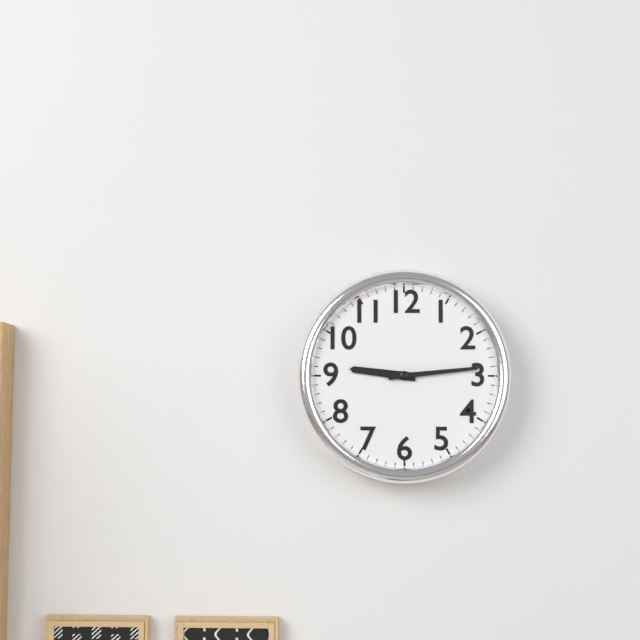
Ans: {"hour": 9, "minute": 14}
